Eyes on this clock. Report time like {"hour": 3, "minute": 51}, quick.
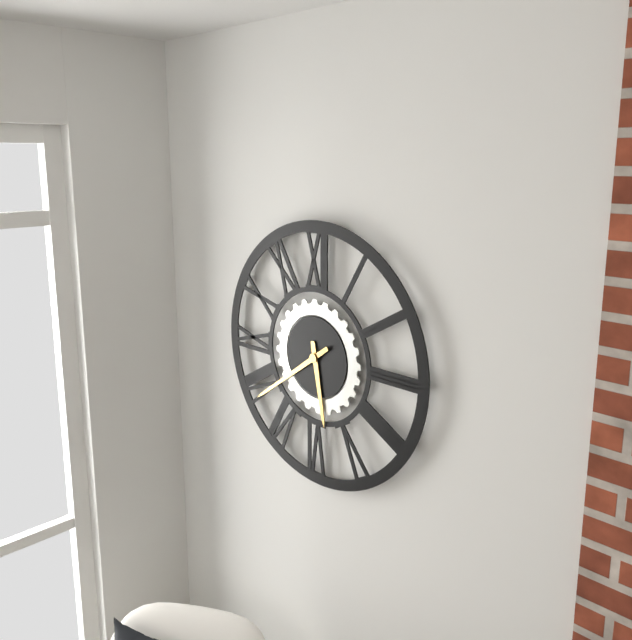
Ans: {"hour": 5, "minute": 39}
